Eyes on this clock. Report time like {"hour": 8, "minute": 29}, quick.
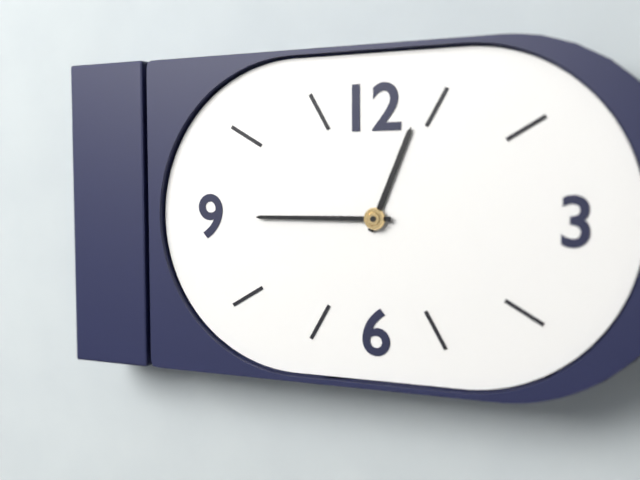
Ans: {"hour": 12, "minute": 45}
